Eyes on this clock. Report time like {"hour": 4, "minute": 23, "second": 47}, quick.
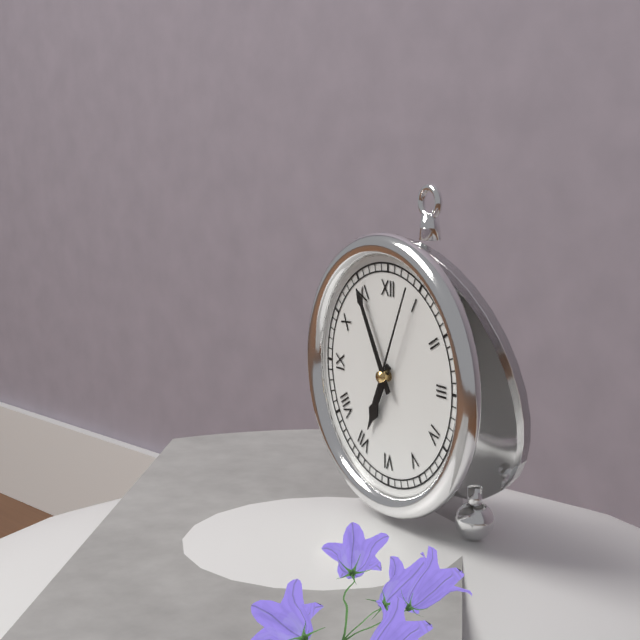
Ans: {"hour": 6, "minute": 55, "second": 4}
